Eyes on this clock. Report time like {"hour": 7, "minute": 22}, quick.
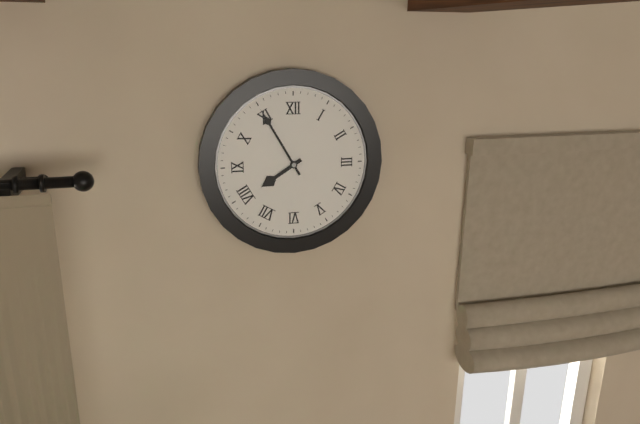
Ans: {"hour": 7, "minute": 55}
